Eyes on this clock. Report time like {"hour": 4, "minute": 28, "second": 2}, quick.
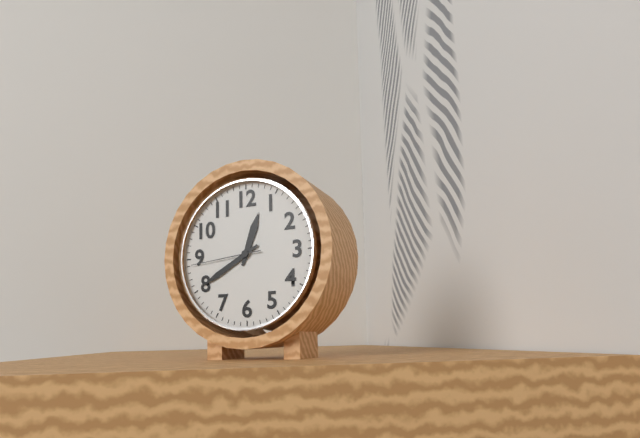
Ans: {"hour": 12, "minute": 40, "second": 44}
